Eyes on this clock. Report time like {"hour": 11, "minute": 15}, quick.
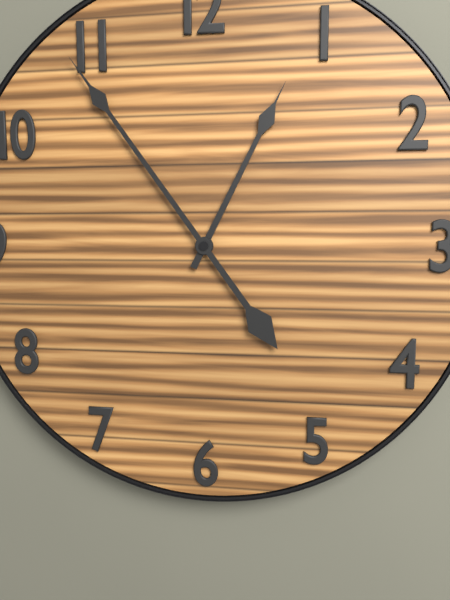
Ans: {"hour": 12, "minute": 54}
